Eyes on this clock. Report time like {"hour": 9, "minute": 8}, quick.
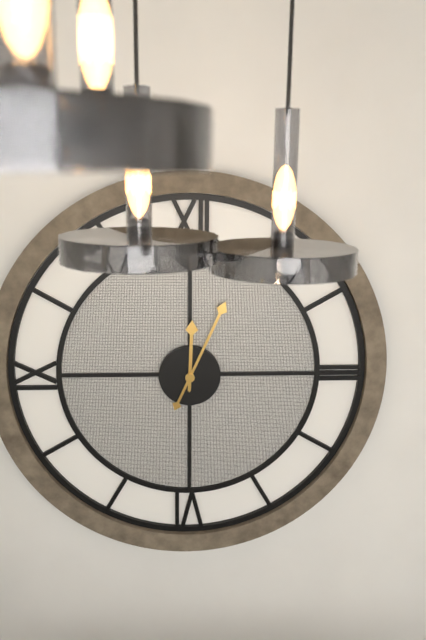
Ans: {"hour": 12, "minute": 4}
